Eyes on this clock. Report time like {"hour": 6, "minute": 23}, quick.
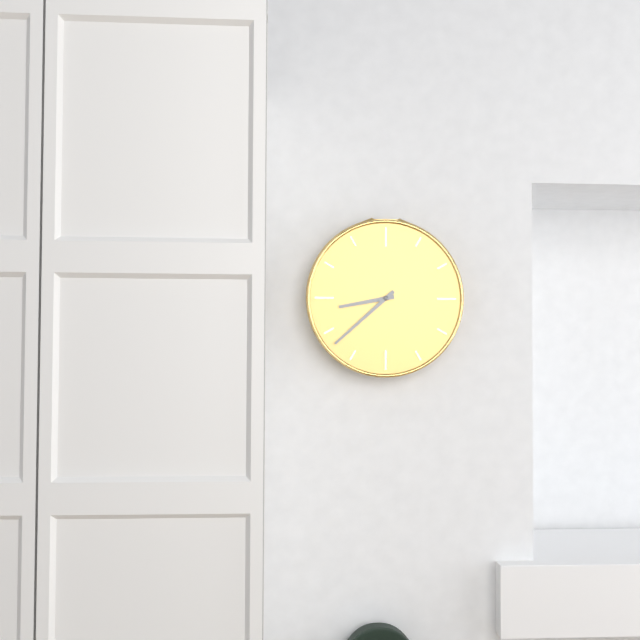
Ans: {"hour": 8, "minute": 38}
